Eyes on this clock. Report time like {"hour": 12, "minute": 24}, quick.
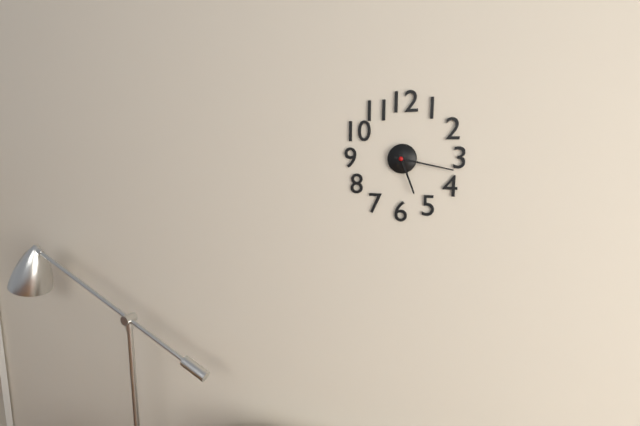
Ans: {"hour": 5, "minute": 17}
